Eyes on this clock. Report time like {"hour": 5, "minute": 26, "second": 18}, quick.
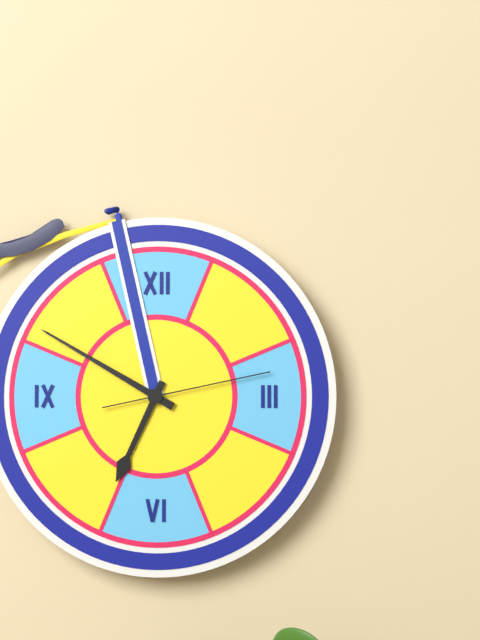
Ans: {"hour": 6, "minute": 50, "second": 13}
